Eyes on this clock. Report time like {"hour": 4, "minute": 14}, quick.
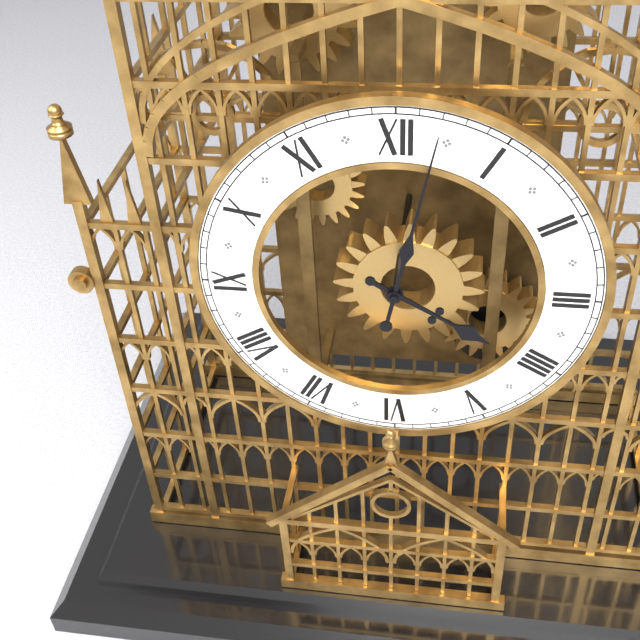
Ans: {"hour": 4, "minute": 2}
